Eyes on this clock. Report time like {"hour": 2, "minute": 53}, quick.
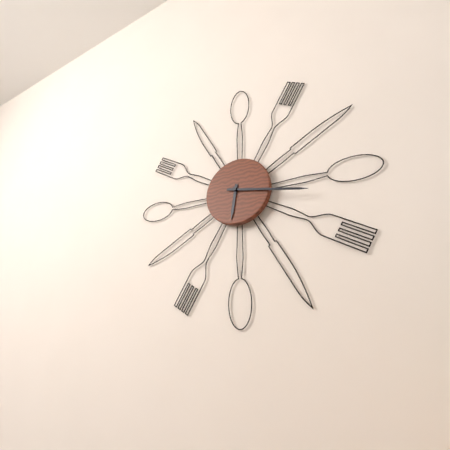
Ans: {"hour": 6, "minute": 17}
